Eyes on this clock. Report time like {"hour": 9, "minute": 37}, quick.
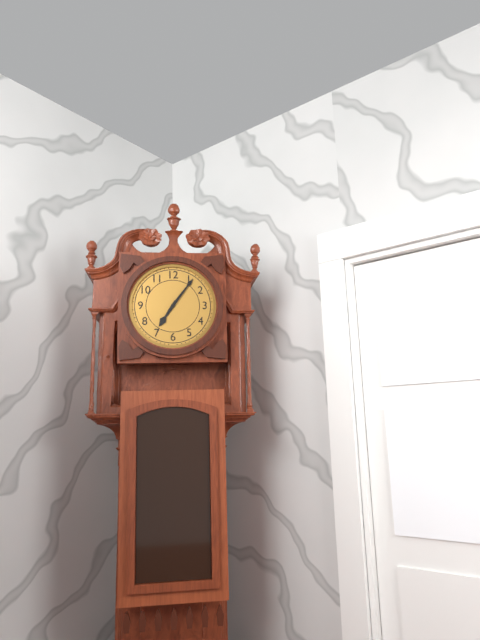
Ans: {"hour": 7, "minute": 6}
